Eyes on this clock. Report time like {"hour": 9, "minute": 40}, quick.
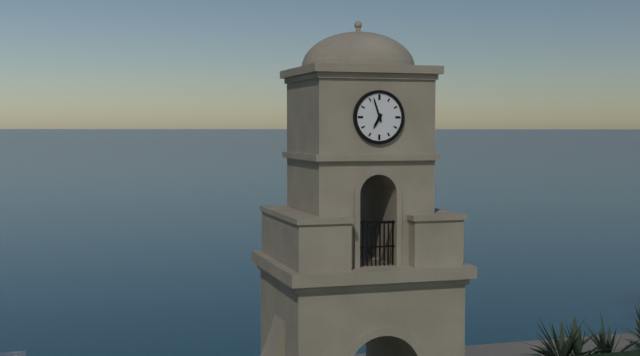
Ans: {"hour": 6, "minute": 57}
